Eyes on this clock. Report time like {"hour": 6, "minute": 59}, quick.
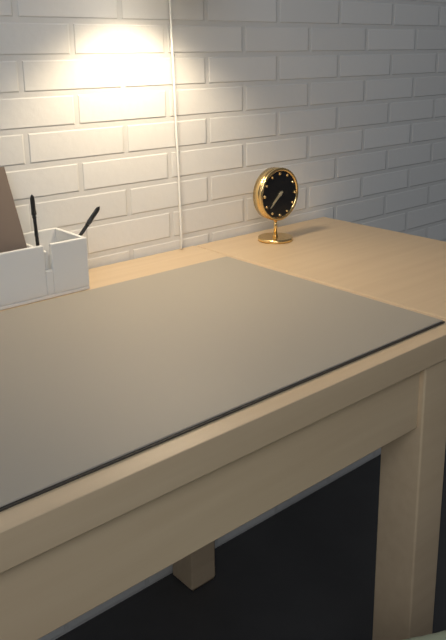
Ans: {"hour": 7, "minute": 38}
